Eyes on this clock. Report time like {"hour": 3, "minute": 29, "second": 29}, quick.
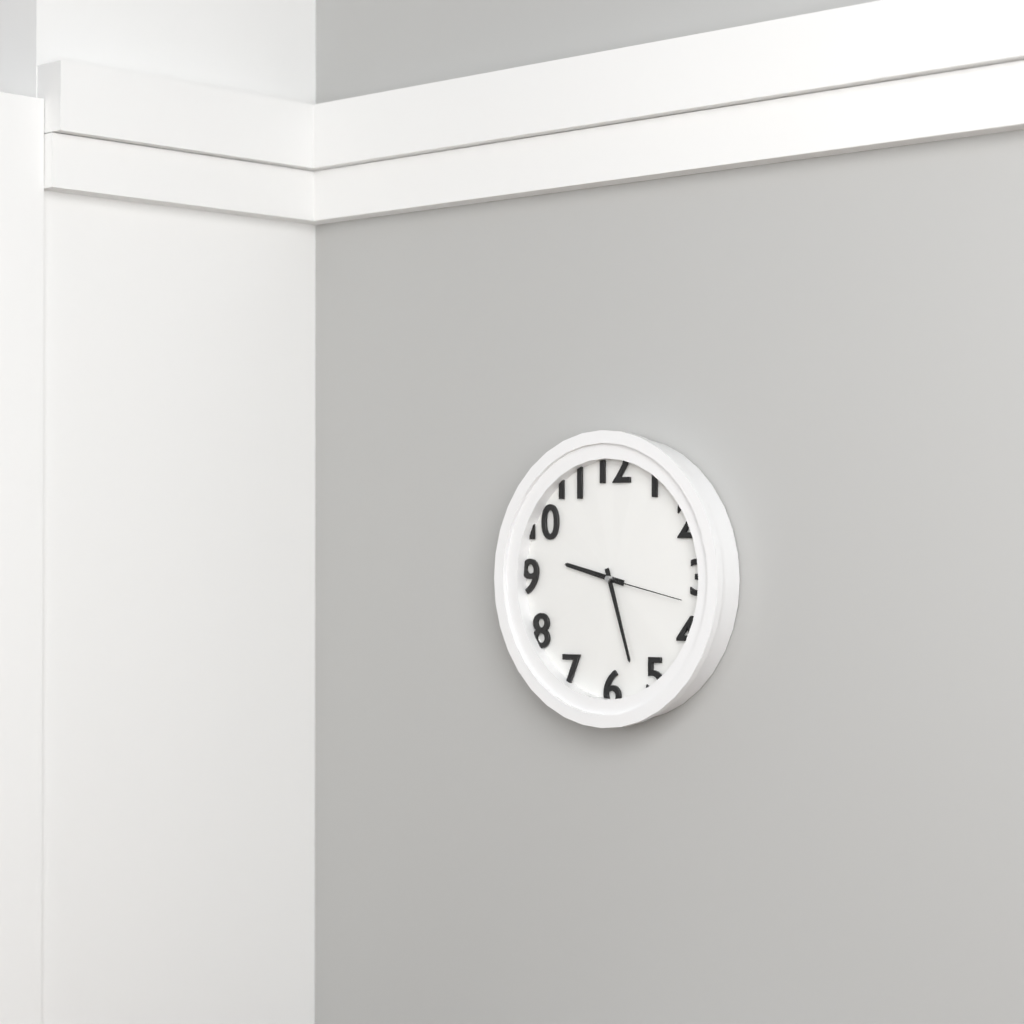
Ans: {"hour": 9, "minute": 27, "second": 17}
